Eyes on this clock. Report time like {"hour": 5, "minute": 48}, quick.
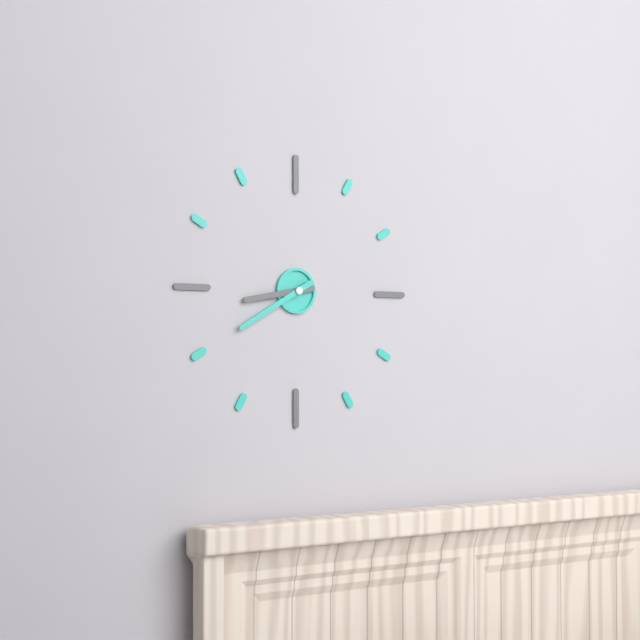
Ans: {"hour": 8, "minute": 40}
